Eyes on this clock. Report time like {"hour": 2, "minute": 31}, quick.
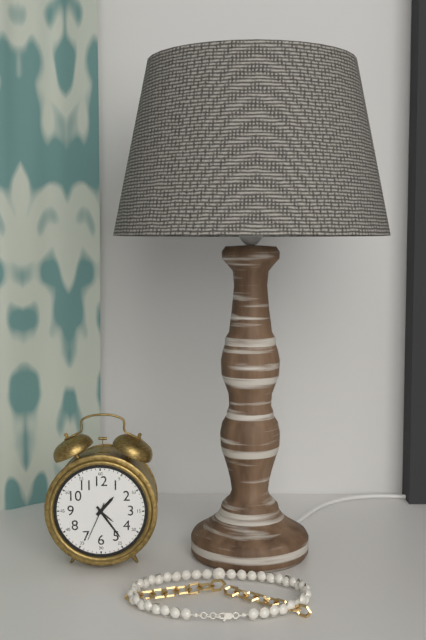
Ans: {"hour": 1, "minute": 24}
